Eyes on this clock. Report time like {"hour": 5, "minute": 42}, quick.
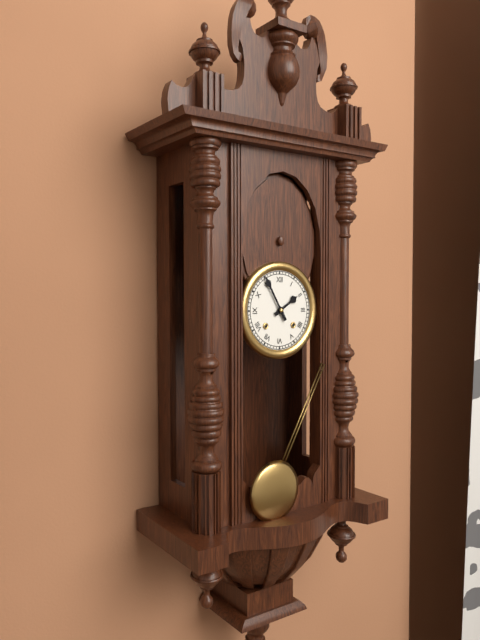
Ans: {"hour": 1, "minute": 55}
